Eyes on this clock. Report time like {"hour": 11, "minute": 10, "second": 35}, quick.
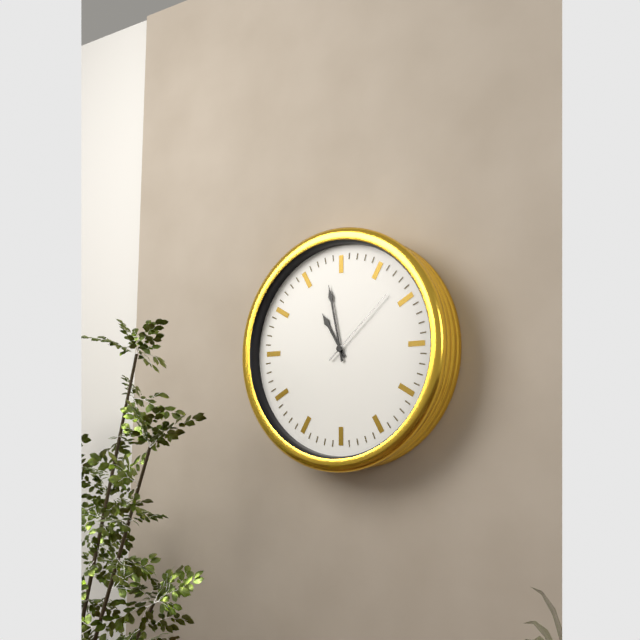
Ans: {"hour": 10, "minute": 58, "second": 8}
